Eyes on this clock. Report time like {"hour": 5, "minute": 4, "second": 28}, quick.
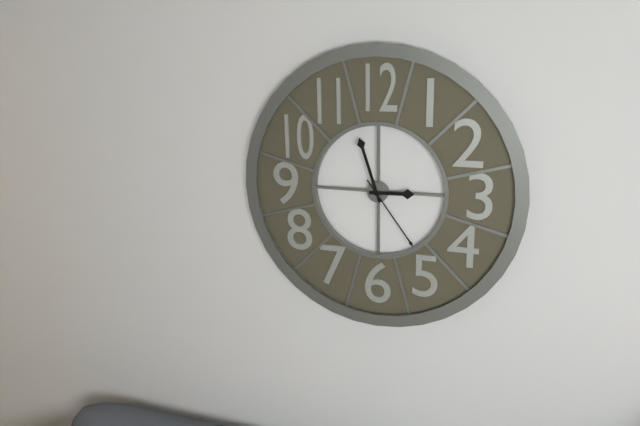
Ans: {"hour": 2, "minute": 57, "second": 24}
